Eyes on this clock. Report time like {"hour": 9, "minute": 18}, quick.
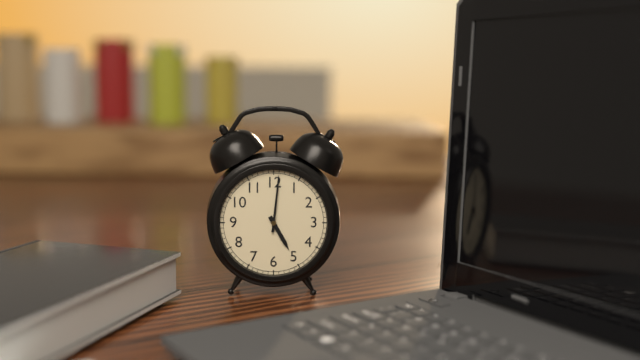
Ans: {"hour": 5, "minute": 1}
